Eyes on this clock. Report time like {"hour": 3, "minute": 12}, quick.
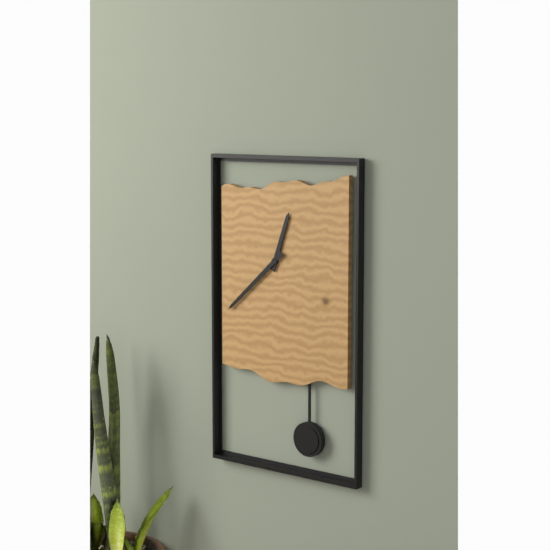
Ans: {"hour": 12, "minute": 38}
